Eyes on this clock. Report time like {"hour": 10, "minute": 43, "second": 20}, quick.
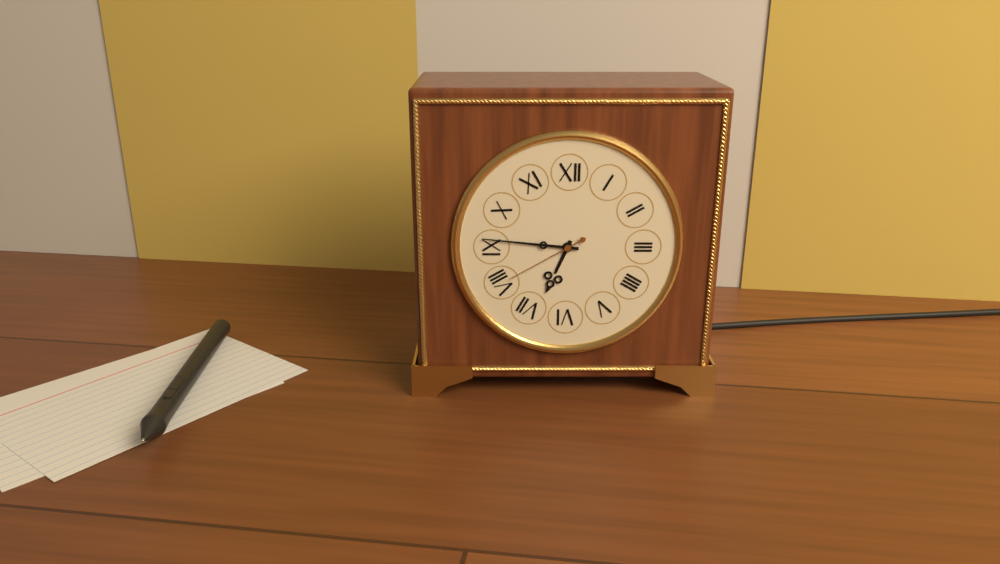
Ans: {"hour": 6, "minute": 46, "second": 40}
